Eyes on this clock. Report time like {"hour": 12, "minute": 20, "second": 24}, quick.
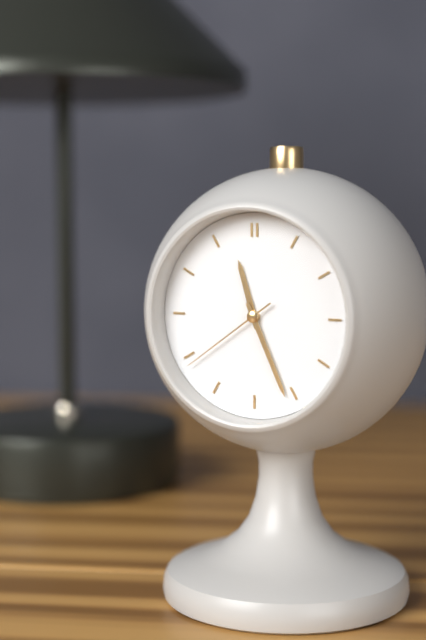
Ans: {"hour": 11, "minute": 26, "second": 39}
